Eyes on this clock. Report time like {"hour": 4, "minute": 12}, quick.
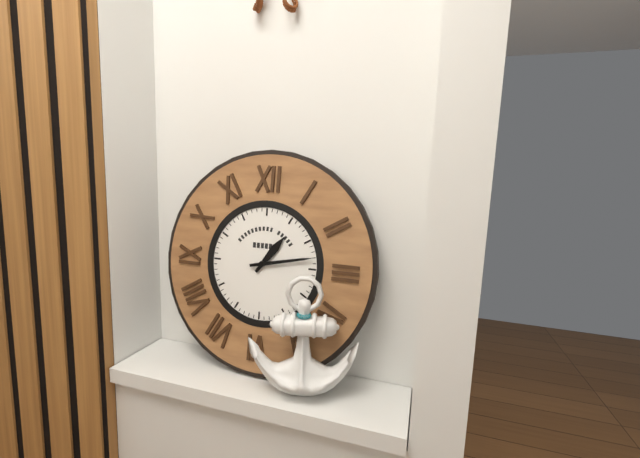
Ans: {"hour": 1, "minute": 13}
